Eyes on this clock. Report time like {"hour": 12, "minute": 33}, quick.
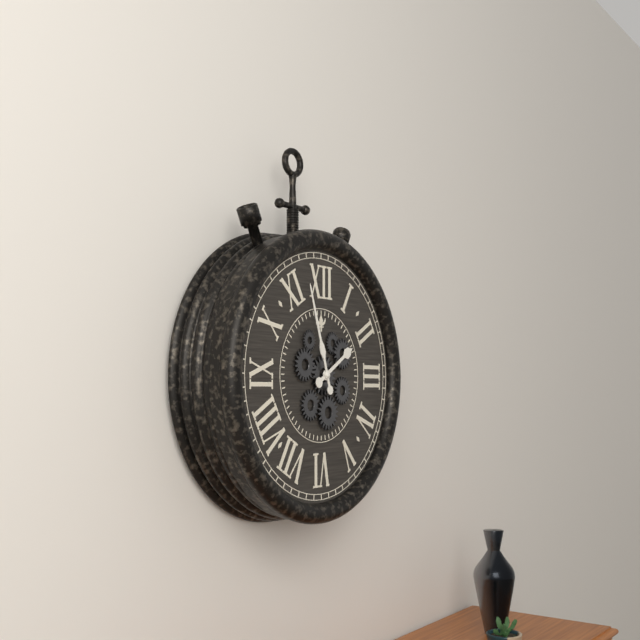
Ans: {"hour": 1, "minute": 57}
